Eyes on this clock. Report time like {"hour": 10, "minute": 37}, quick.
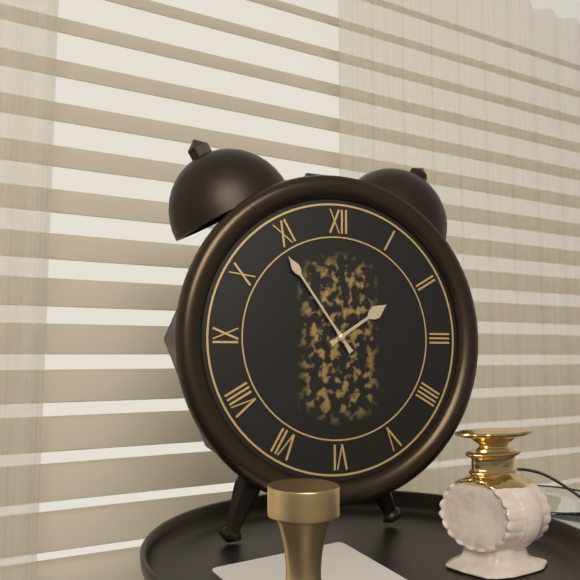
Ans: {"hour": 1, "minute": 54}
